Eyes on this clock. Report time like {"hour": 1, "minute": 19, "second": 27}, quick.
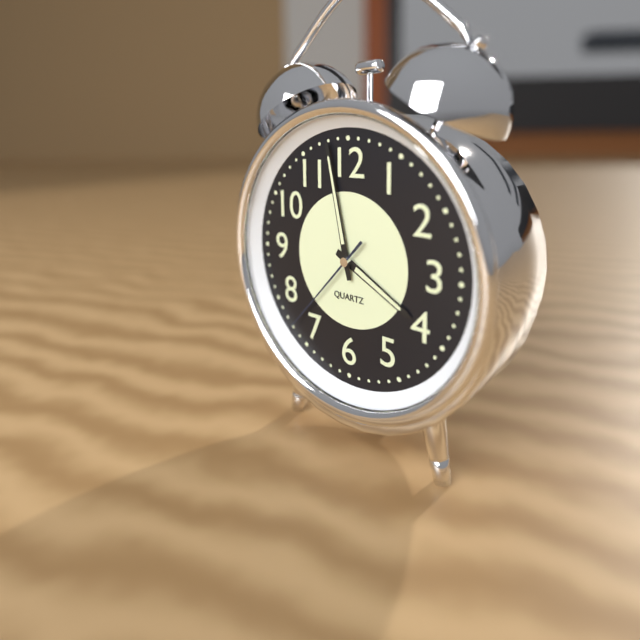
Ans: {"hour": 3, "minute": 58, "second": 37}
